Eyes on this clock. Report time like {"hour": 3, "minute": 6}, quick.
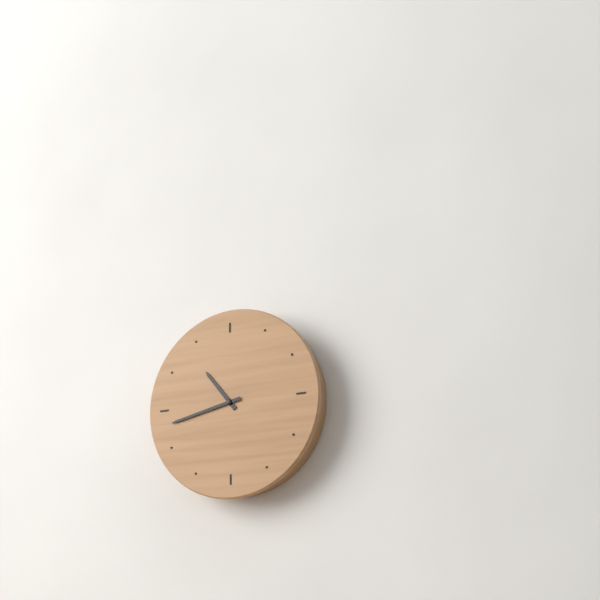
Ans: {"hour": 10, "minute": 43}
